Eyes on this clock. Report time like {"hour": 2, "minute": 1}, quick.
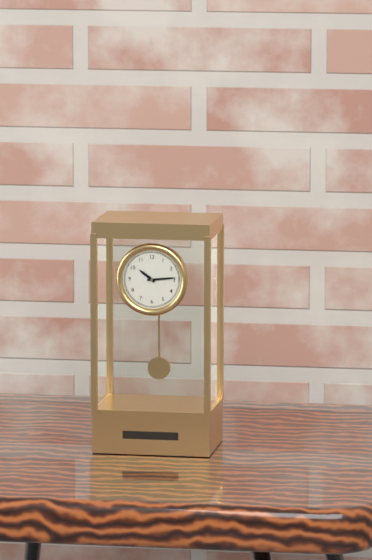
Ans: {"hour": 10, "minute": 14}
